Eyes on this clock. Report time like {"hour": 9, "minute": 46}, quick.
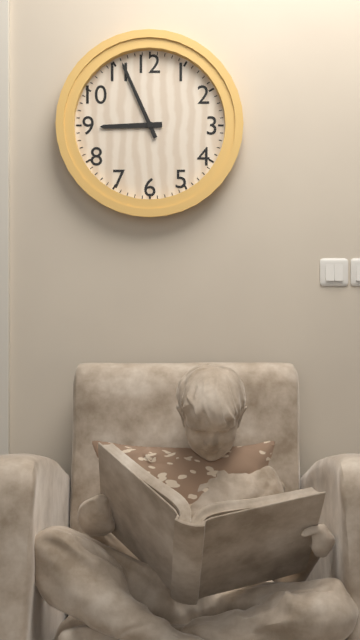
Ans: {"hour": 8, "minute": 56}
